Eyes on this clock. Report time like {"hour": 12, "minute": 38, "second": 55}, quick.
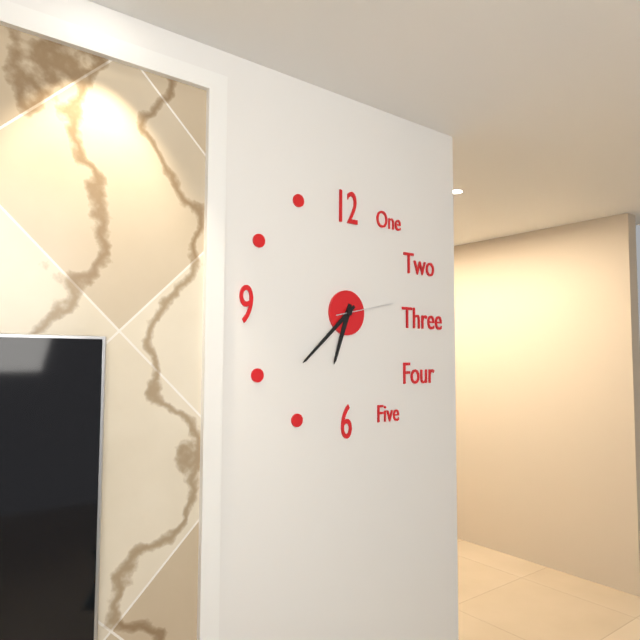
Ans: {"hour": 6, "minute": 38, "second": 13}
